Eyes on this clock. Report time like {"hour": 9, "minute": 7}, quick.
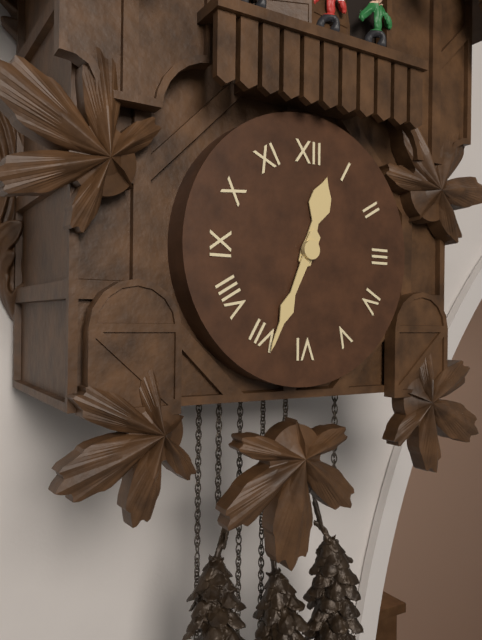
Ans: {"hour": 12, "minute": 34}
